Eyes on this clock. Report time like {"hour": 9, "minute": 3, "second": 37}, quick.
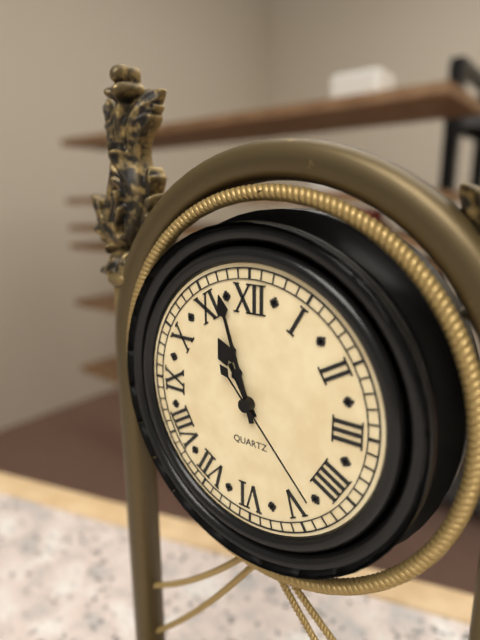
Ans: {"hour": 10, "minute": 57, "second": 23}
